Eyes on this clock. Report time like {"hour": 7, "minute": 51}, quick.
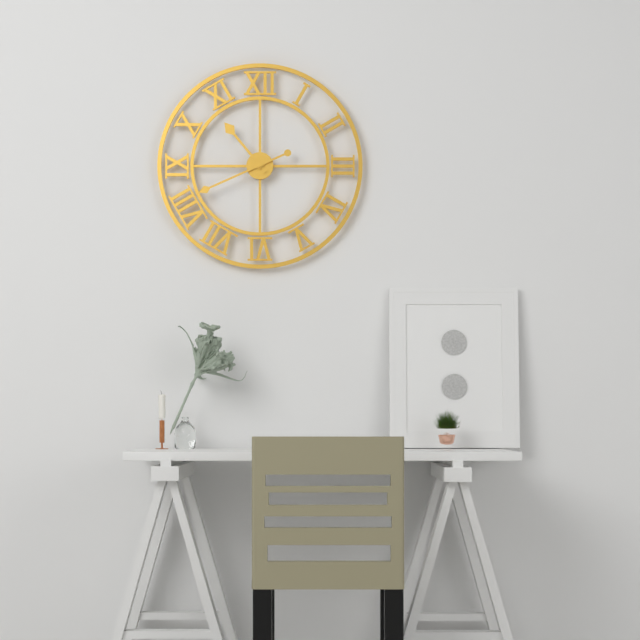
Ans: {"hour": 10, "minute": 41}
